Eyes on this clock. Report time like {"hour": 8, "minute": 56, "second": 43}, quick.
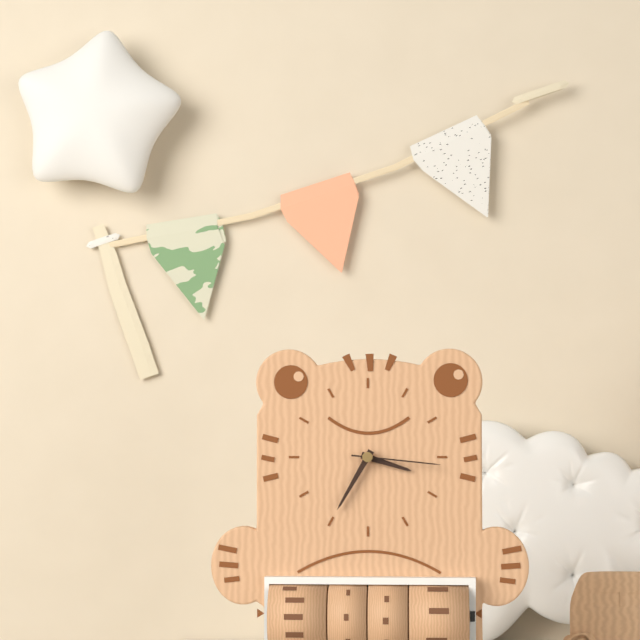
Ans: {"hour": 3, "minute": 35, "second": 16}
